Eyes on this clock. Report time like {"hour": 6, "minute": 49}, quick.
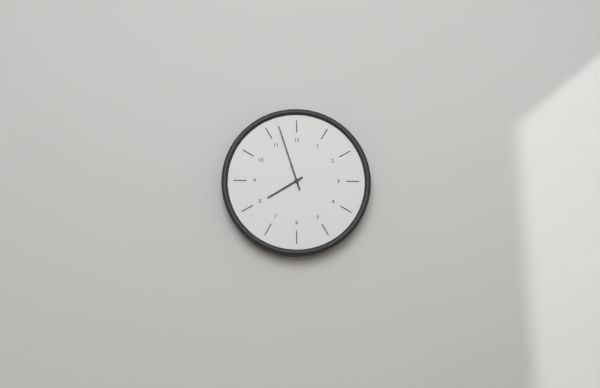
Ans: {"hour": 7, "minute": 57}
